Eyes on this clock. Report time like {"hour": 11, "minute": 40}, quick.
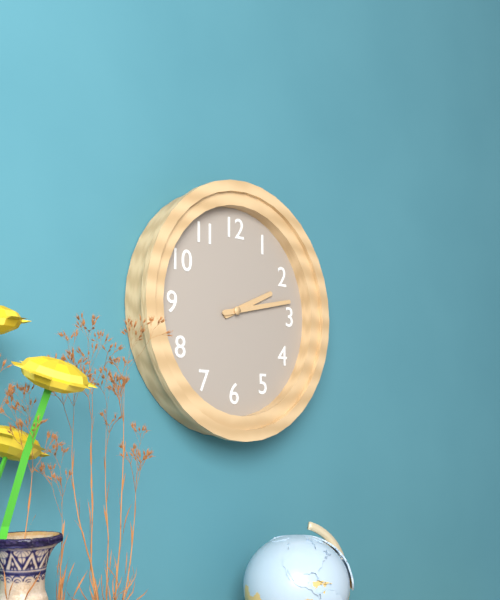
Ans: {"hour": 2, "minute": 13}
